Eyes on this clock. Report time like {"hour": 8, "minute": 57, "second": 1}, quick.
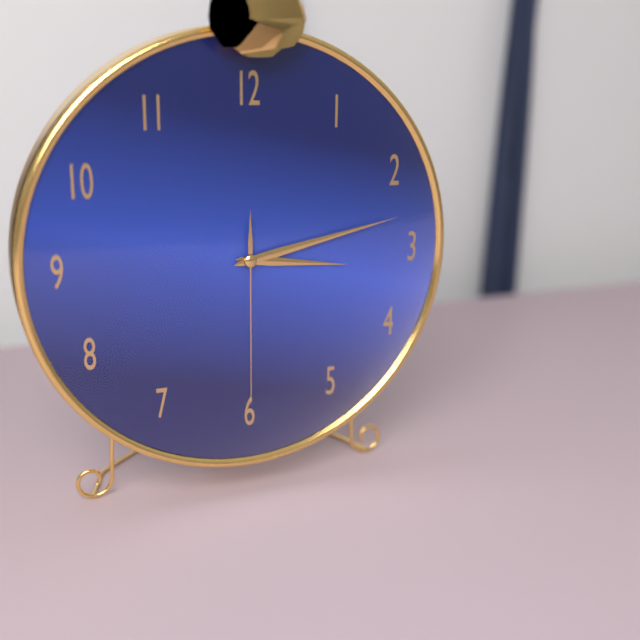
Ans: {"hour": 3, "minute": 13, "second": 30}
